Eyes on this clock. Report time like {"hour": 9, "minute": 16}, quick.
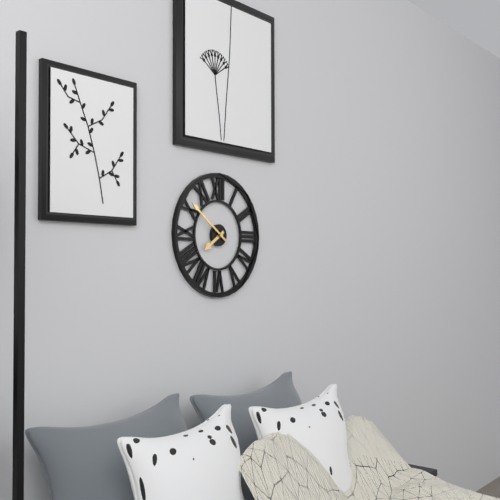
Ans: {"hour": 7, "minute": 51}
